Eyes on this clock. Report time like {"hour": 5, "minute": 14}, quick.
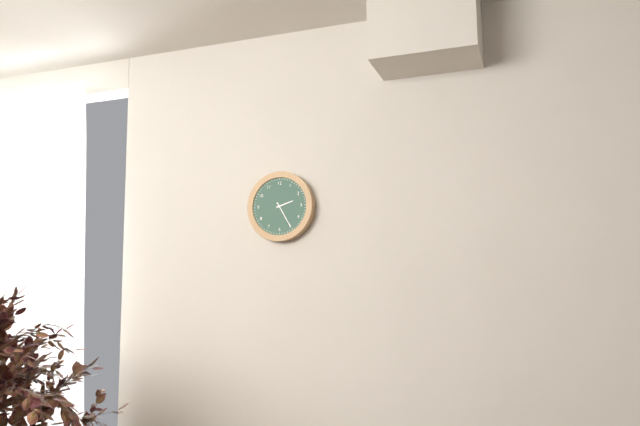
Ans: {"hour": 2, "minute": 25}
